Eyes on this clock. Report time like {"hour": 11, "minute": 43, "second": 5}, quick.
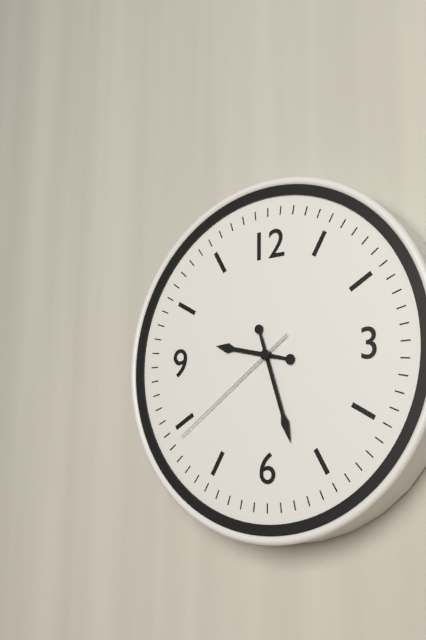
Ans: {"hour": 9, "minute": 27, "second": 39}
